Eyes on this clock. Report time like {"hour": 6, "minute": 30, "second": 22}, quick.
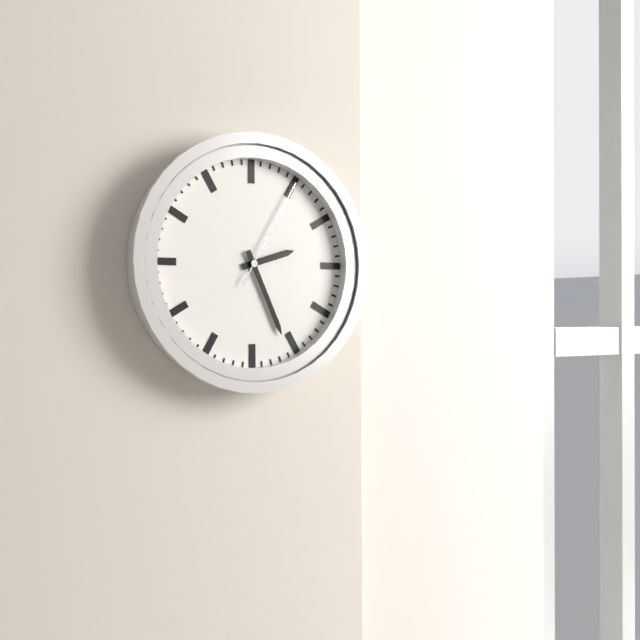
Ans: {"hour": 2, "minute": 26, "second": 5}
